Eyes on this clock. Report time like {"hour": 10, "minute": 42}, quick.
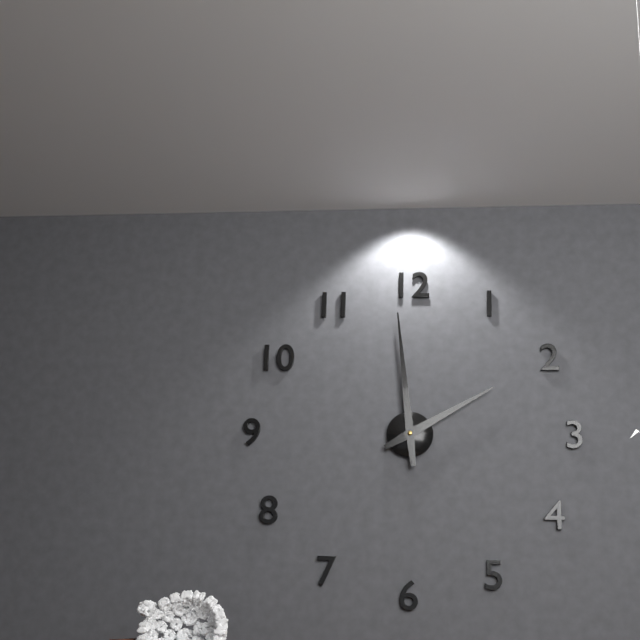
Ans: {"hour": 1, "minute": 59}
